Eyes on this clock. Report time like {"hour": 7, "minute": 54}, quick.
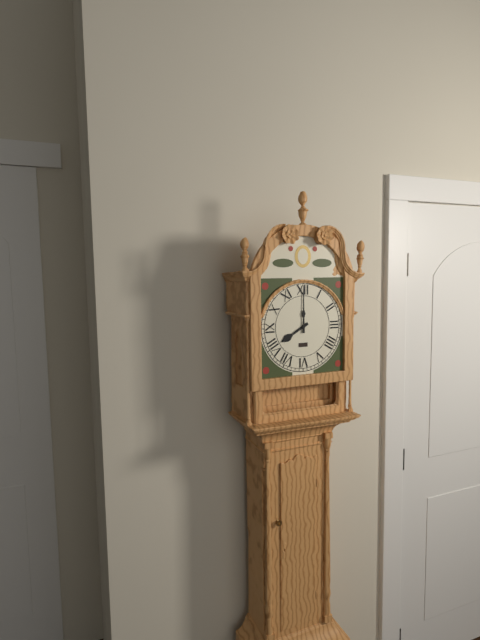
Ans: {"hour": 8, "minute": 0}
